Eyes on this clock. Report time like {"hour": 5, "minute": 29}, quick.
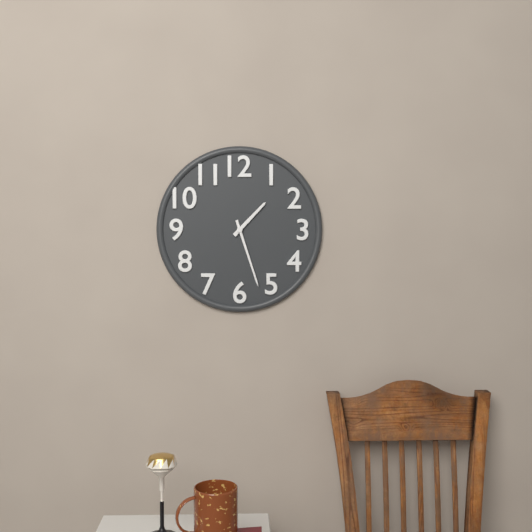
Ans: {"hour": 1, "minute": 27}
